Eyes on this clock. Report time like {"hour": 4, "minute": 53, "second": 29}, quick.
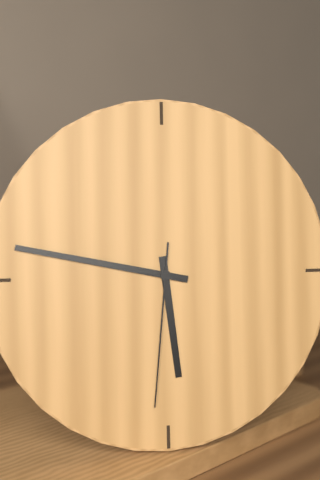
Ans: {"hour": 5, "minute": 47, "second": 31}
